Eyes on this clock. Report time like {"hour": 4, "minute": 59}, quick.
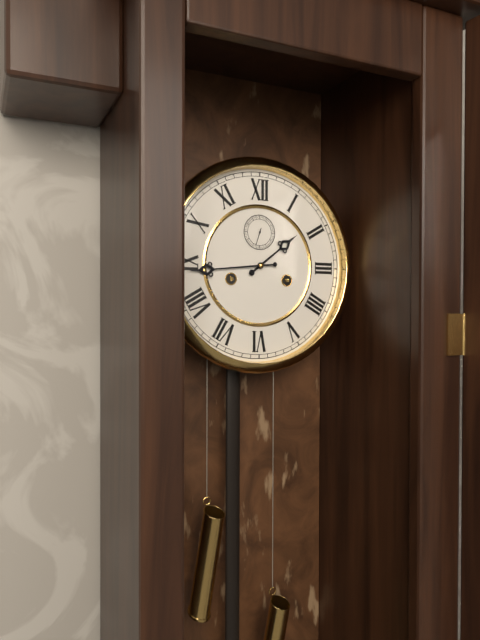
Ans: {"hour": 1, "minute": 44}
